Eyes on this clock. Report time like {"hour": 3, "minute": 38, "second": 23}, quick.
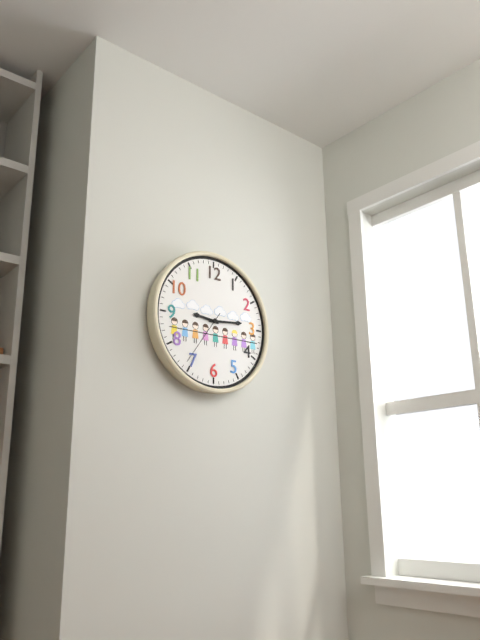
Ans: {"hour": 9, "minute": 14, "second": 36}
